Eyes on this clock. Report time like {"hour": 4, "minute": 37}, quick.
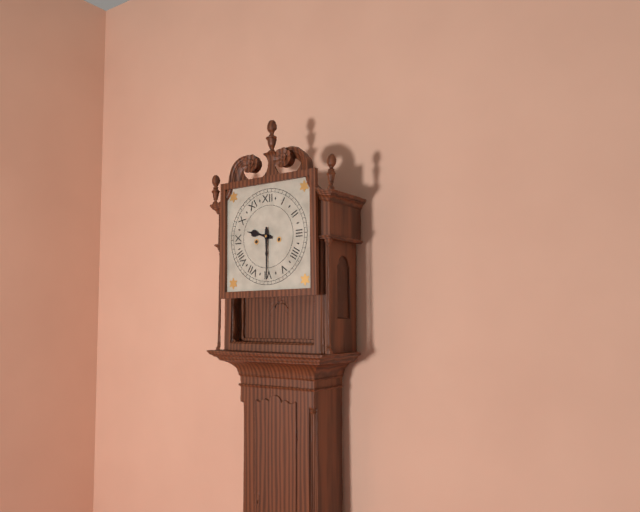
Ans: {"hour": 9, "minute": 30}
